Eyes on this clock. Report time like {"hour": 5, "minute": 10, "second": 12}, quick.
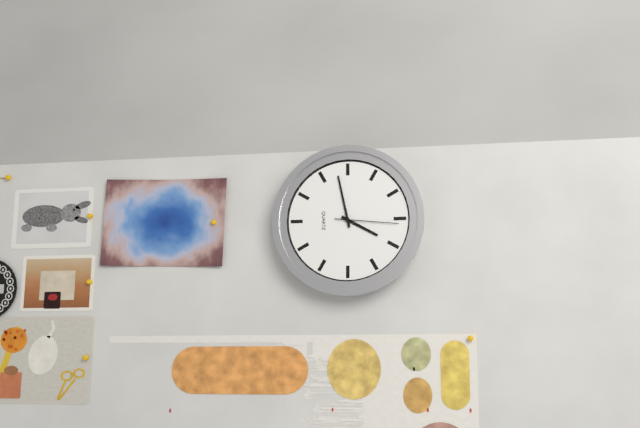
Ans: {"hour": 3, "minute": 58, "second": 16}
